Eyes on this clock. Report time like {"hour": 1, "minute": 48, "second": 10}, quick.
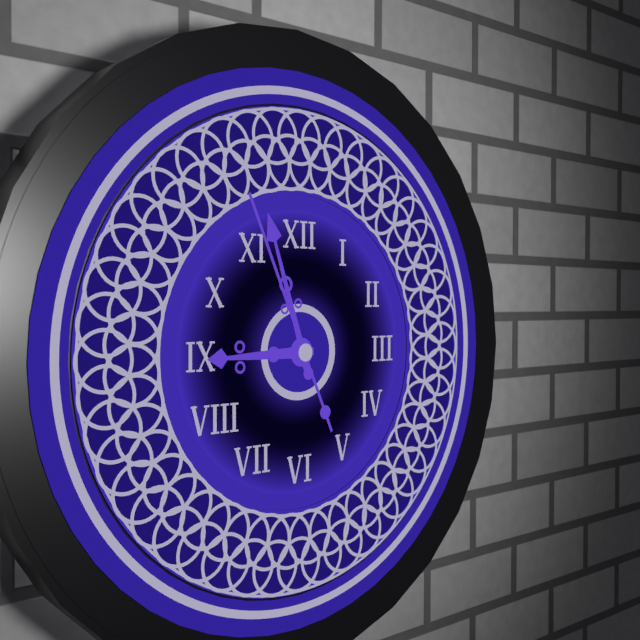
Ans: {"hour": 8, "minute": 57, "second": 56}
